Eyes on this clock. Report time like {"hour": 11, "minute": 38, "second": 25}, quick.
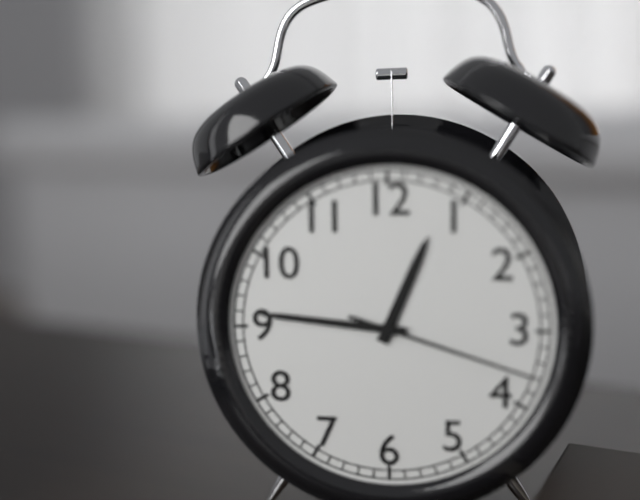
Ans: {"hour": 12, "minute": 46, "second": 18}
